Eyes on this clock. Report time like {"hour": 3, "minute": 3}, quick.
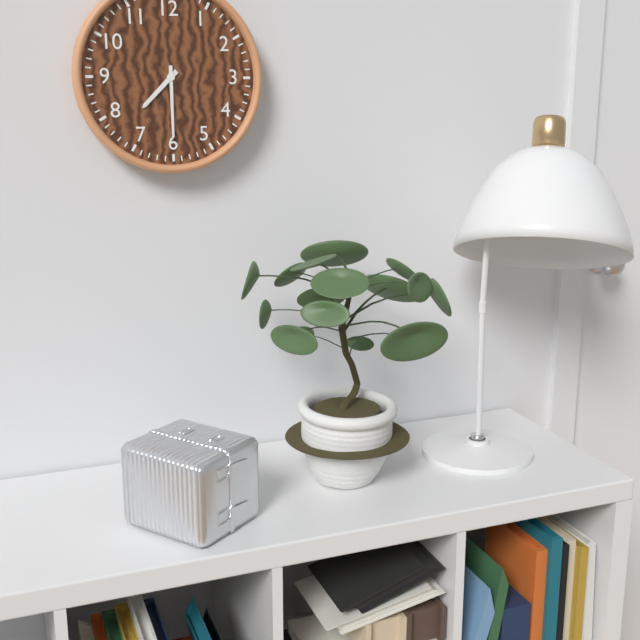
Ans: {"hour": 7, "minute": 30}
